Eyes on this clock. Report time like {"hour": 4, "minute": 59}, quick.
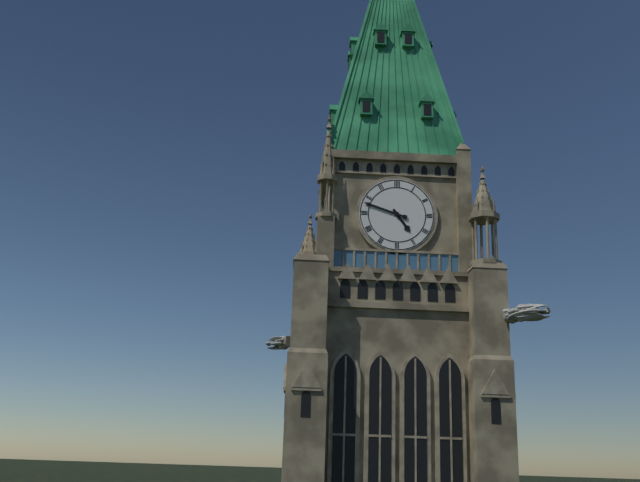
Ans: {"hour": 4, "minute": 48}
